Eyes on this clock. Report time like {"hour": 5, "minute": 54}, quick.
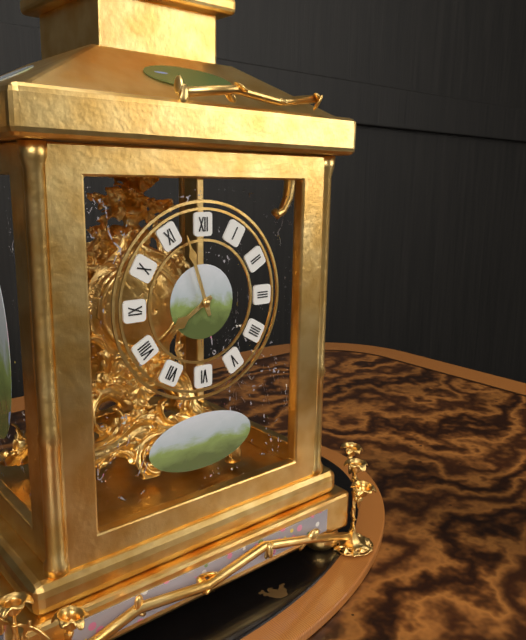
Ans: {"hour": 7, "minute": 57}
